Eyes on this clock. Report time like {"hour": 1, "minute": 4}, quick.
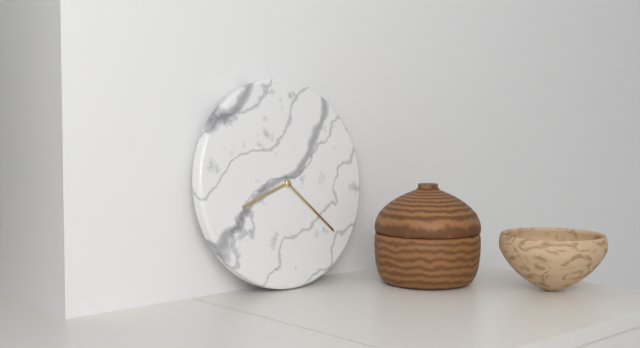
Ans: {"hour": 8, "minute": 22}
